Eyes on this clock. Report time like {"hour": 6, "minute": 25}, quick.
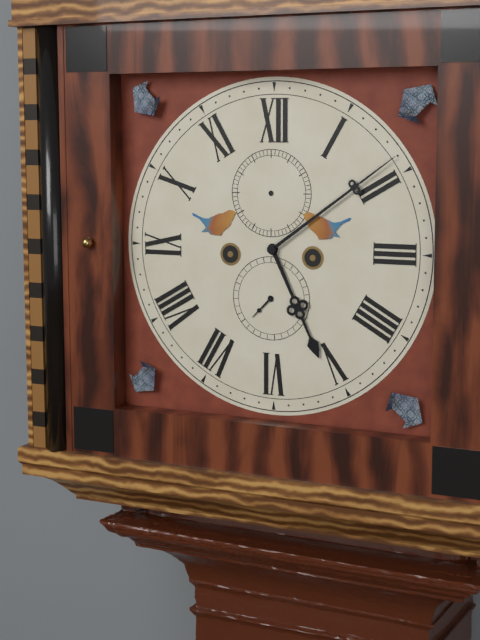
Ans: {"hour": 5, "minute": 9}
